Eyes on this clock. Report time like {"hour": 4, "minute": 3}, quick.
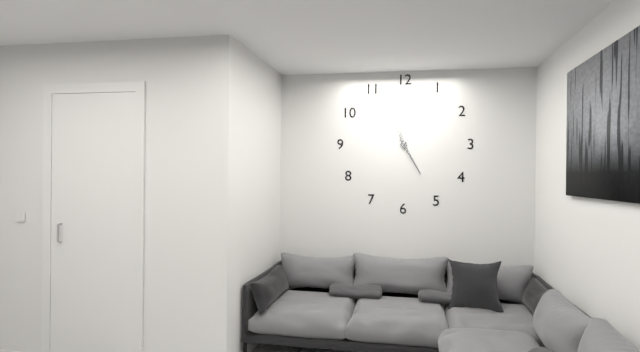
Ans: {"hour": 11, "minute": 25}
